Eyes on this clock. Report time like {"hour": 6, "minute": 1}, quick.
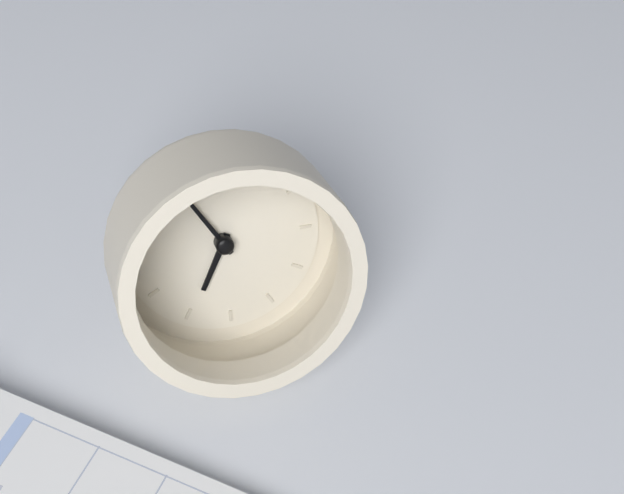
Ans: {"hour": 6, "minute": 55}
